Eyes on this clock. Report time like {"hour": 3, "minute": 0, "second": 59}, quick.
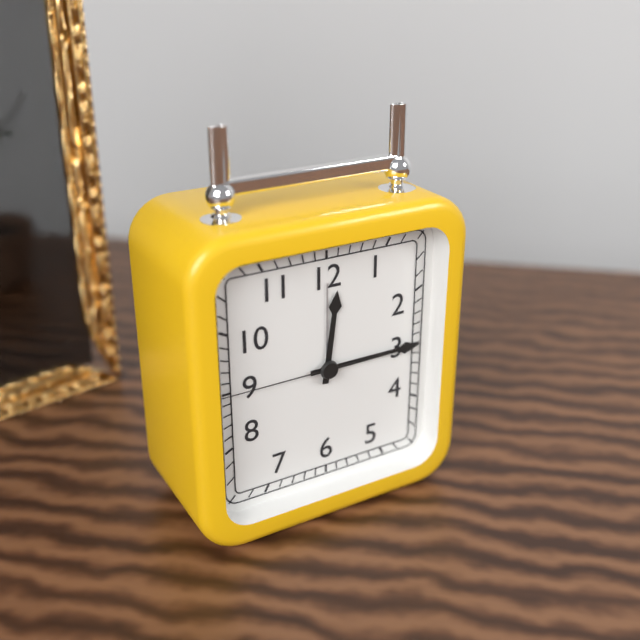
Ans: {"hour": 12, "minute": 15, "second": 45}
